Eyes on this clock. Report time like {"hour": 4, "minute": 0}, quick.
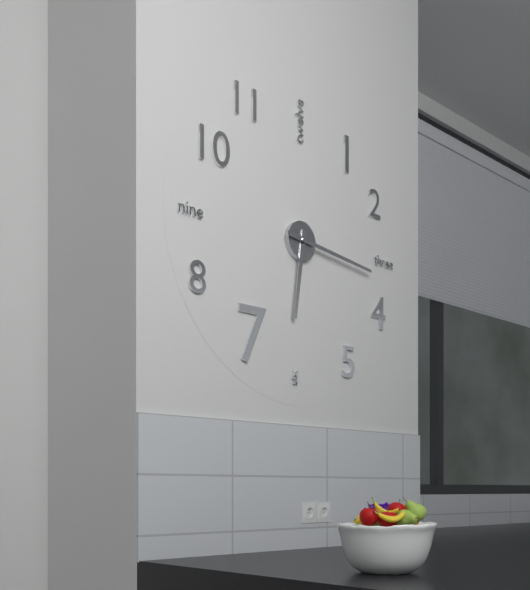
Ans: {"hour": 6, "minute": 16}
